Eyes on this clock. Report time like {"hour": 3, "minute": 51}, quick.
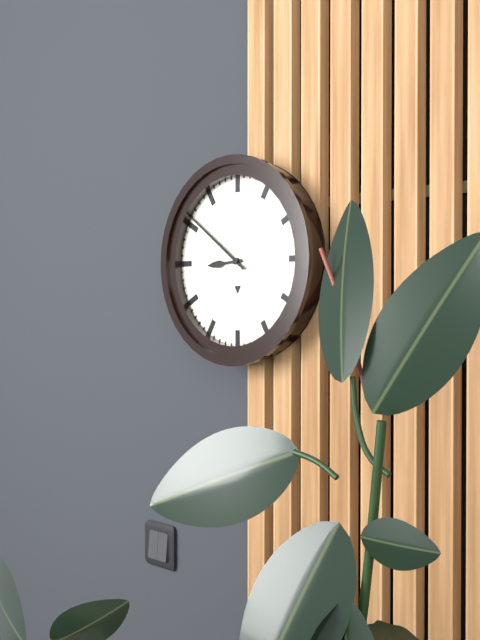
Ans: {"hour": 8, "minute": 51}
